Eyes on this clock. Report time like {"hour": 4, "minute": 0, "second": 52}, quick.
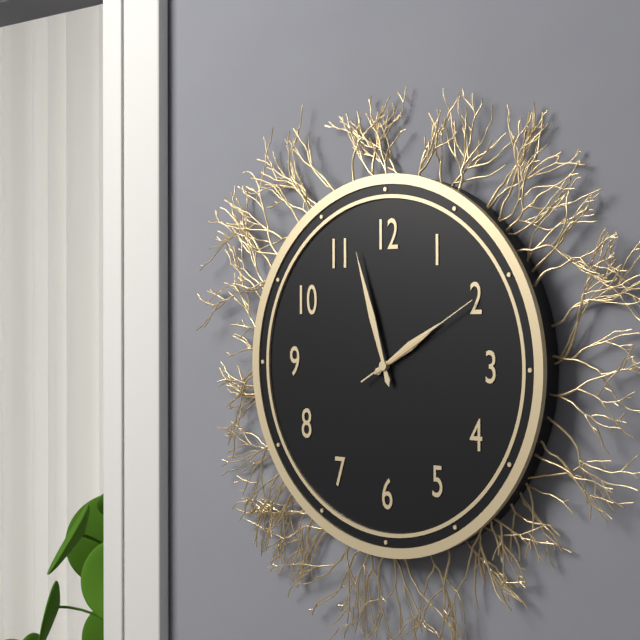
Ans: {"hour": 1, "minute": 57, "second": 10}
